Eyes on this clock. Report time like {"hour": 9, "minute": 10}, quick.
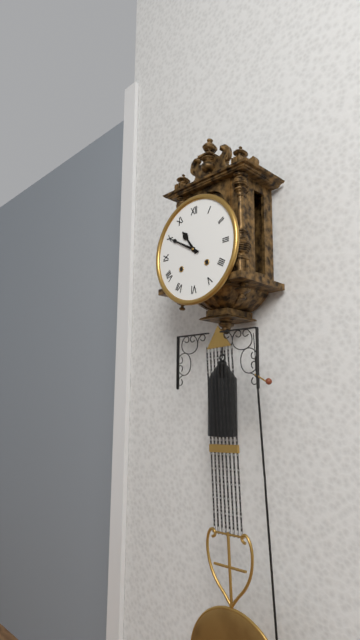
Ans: {"hour": 10, "minute": 50}
